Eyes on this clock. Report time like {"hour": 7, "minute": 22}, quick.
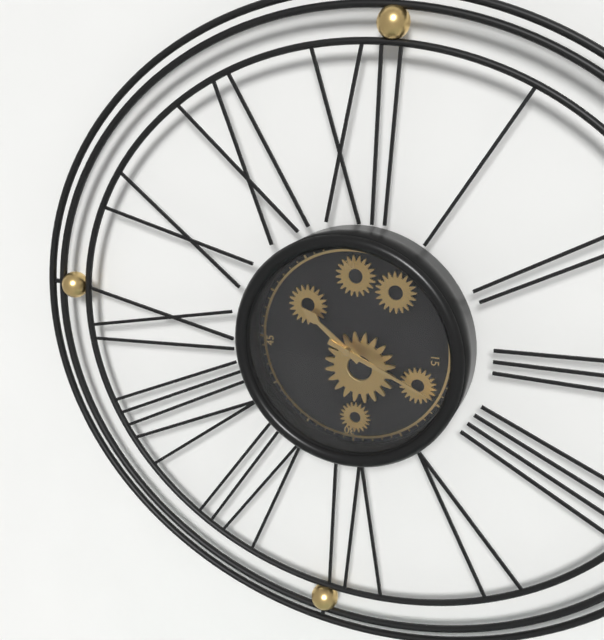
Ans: {"hour": 10, "minute": 19}
